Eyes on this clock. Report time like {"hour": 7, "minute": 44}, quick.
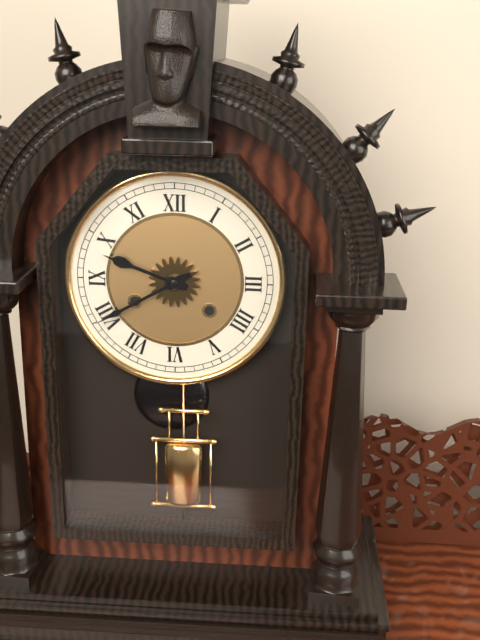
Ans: {"hour": 9, "minute": 40}
